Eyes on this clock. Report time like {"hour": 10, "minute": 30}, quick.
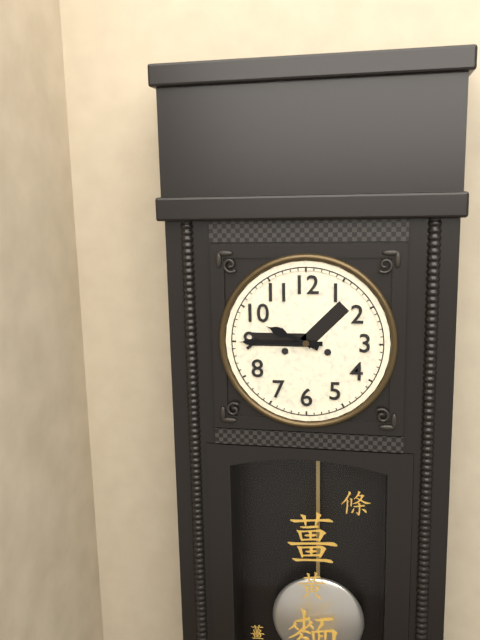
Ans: {"hour": 9, "minute": 45}
